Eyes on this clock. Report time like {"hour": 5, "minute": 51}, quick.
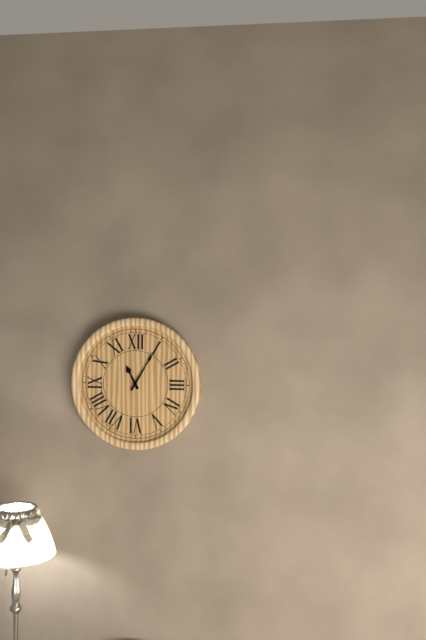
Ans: {"hour": 11, "minute": 5}
